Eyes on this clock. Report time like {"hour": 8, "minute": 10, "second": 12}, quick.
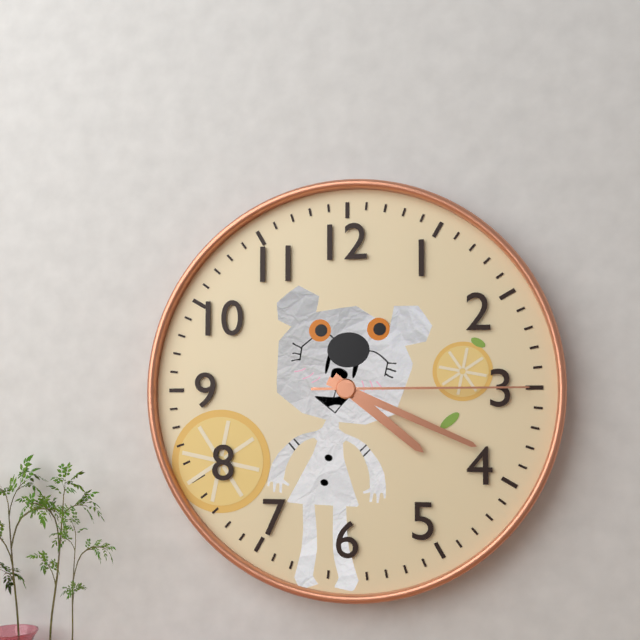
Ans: {"hour": 4, "minute": 19, "second": 15}
